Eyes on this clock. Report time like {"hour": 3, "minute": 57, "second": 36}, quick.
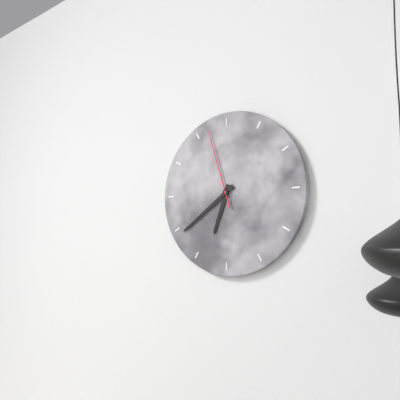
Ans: {"hour": 6, "minute": 39, "second": 57}
